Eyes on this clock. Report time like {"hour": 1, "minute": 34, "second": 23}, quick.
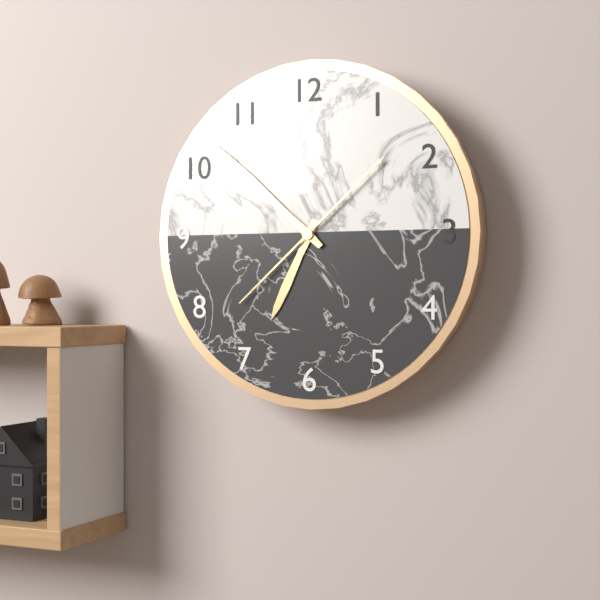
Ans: {"hour": 6, "minute": 52, "second": 8}
